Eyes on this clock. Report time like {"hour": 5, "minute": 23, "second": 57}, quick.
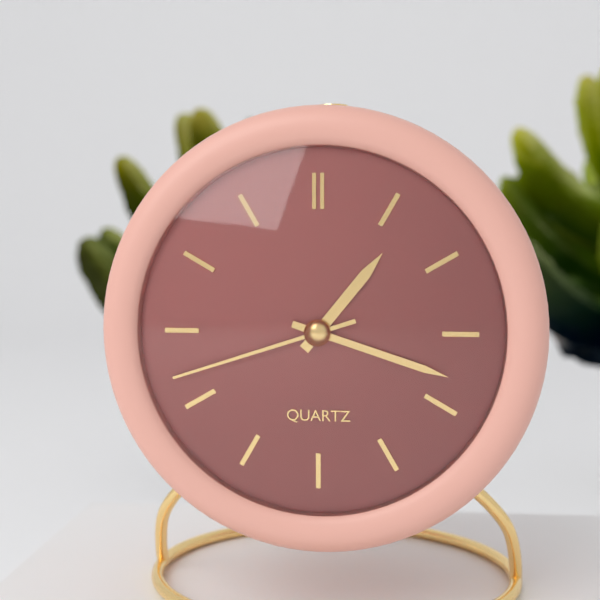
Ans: {"hour": 1, "minute": 18, "second": 42}
